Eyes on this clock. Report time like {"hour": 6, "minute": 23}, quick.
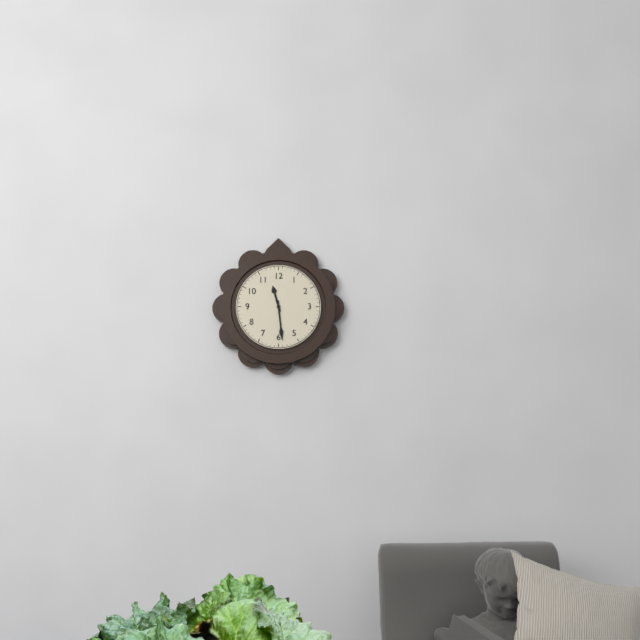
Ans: {"hour": 11, "minute": 29}
